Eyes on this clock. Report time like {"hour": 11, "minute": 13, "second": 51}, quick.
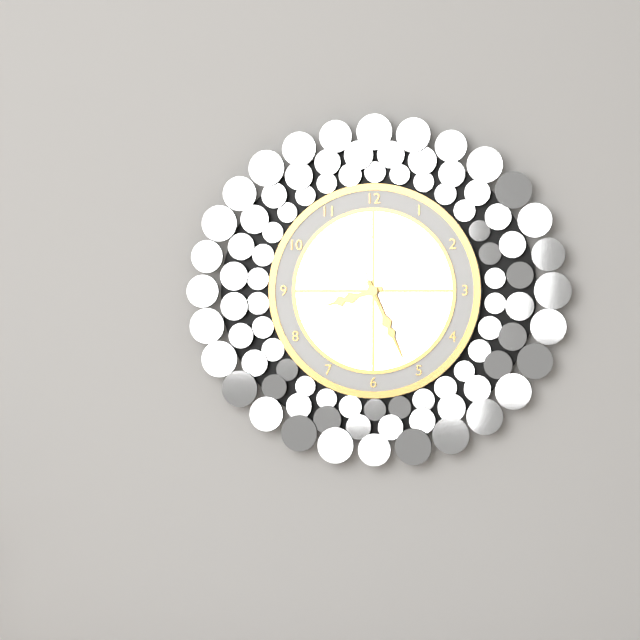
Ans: {"hour": 8, "minute": 26, "second": 56}
